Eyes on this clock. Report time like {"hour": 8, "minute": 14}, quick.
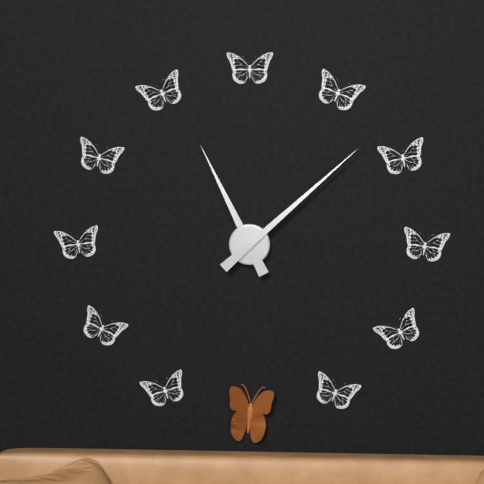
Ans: {"hour": 11, "minute": 8}
